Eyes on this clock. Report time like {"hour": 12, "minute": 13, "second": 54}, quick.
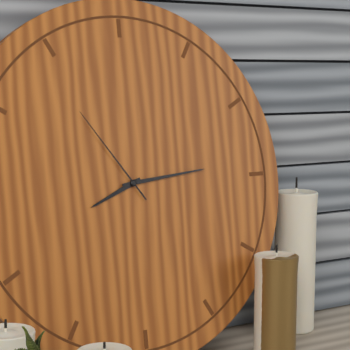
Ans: {"hour": 8, "minute": 14, "second": 54}
